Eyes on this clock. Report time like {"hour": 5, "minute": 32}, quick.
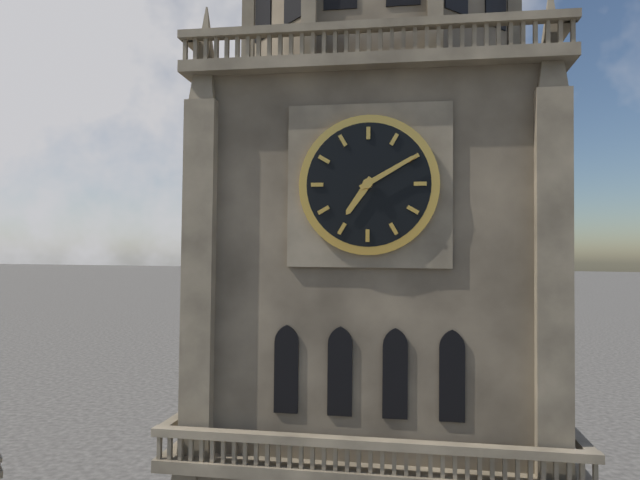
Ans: {"hour": 7, "minute": 10}
